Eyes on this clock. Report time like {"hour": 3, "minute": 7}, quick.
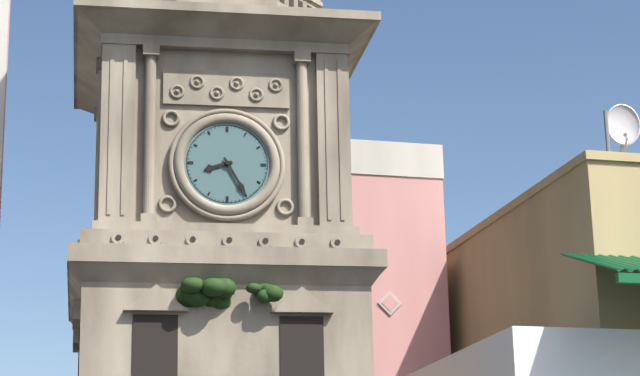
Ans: {"hour": 8, "minute": 25}
